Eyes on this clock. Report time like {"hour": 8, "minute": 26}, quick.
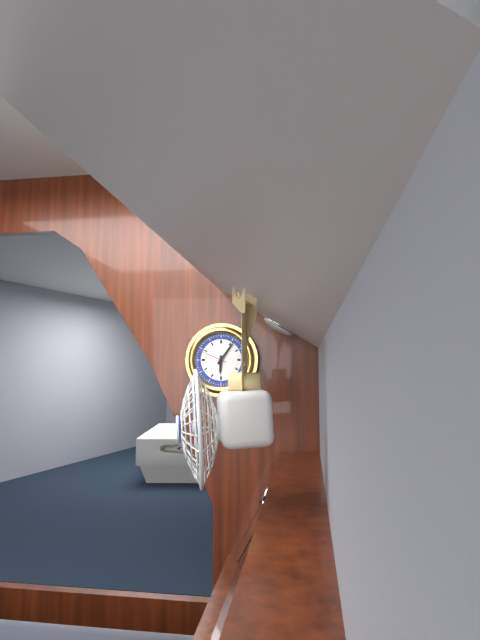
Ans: {"hour": 6, "minute": 6}
